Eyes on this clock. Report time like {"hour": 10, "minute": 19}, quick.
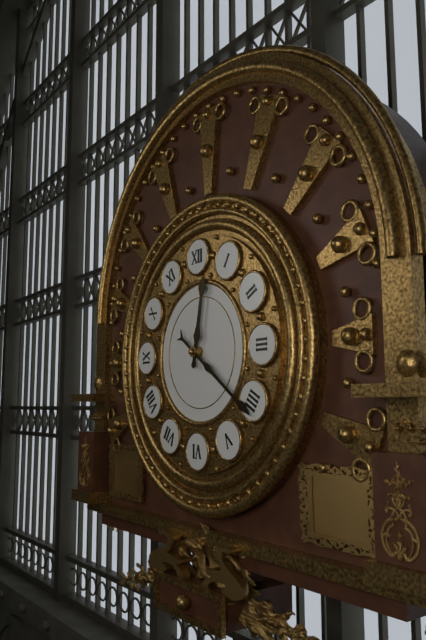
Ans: {"hour": 12, "minute": 21}
